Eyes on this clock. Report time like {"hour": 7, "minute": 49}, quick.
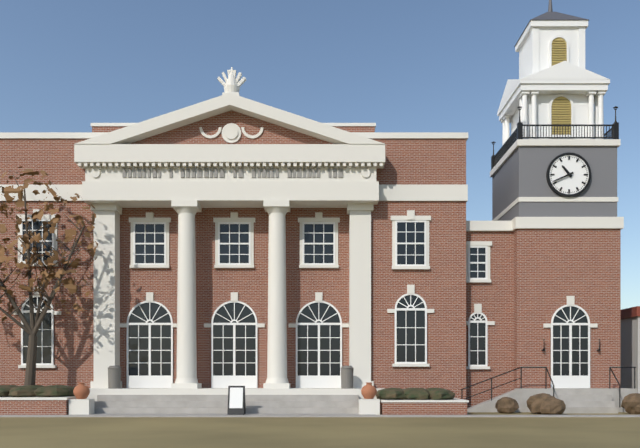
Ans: {"hour": 10, "minute": 41}
